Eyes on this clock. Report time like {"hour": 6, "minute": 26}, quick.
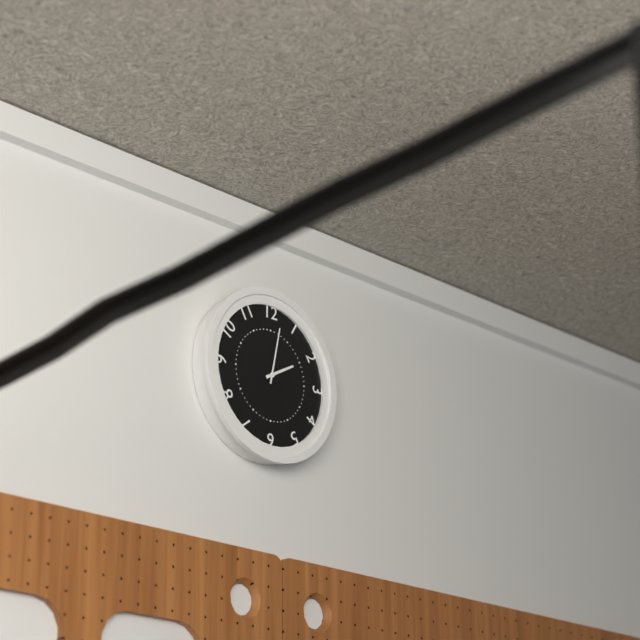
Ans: {"hour": 2, "minute": 2}
